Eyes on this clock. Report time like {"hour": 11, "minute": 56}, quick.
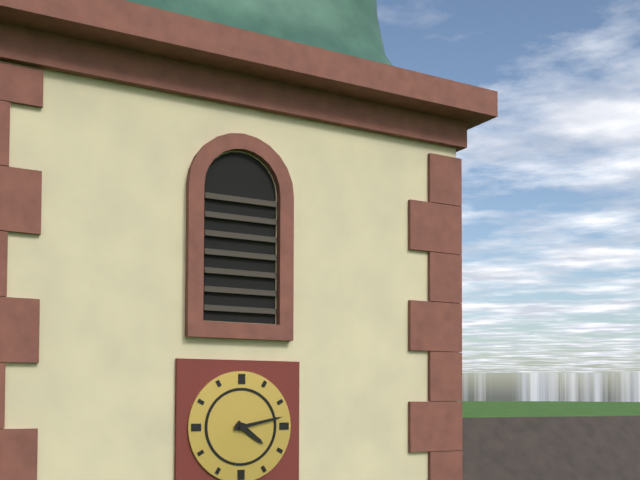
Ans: {"hour": 4, "minute": 13}
